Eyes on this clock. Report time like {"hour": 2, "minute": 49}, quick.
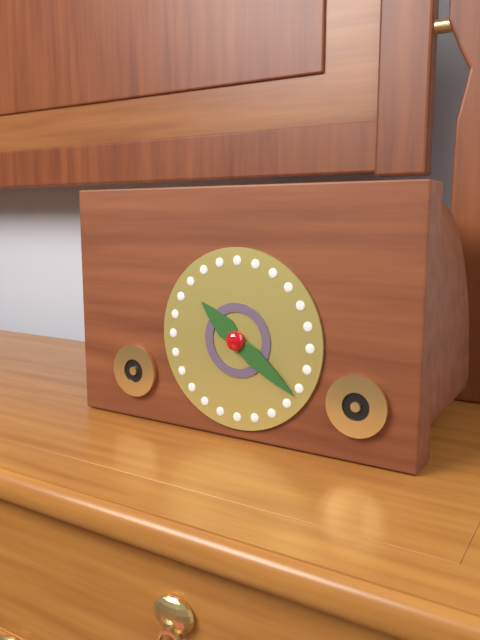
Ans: {"hour": 10, "minute": 21}
